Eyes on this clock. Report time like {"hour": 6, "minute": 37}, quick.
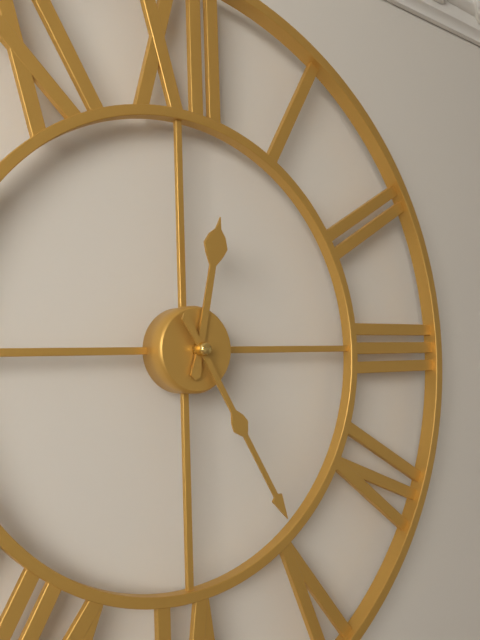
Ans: {"hour": 12, "minute": 25}
